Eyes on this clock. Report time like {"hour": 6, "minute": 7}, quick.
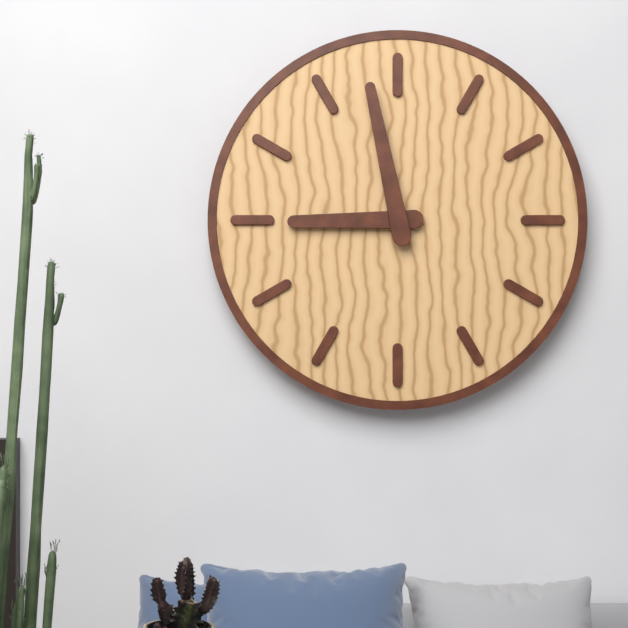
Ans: {"hour": 8, "minute": 58}
